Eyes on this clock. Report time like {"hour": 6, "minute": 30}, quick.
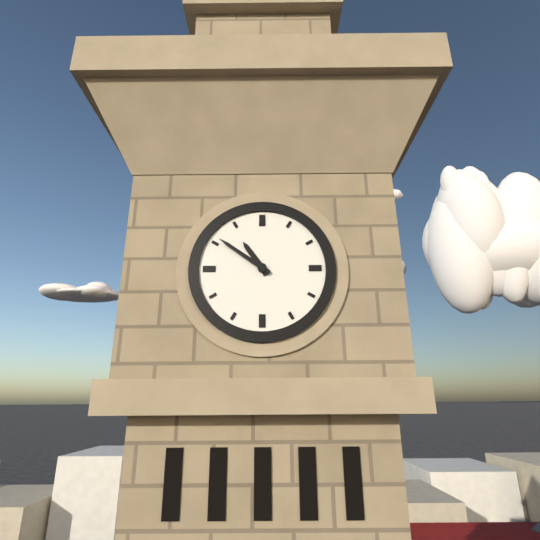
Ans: {"hour": 10, "minute": 51}
